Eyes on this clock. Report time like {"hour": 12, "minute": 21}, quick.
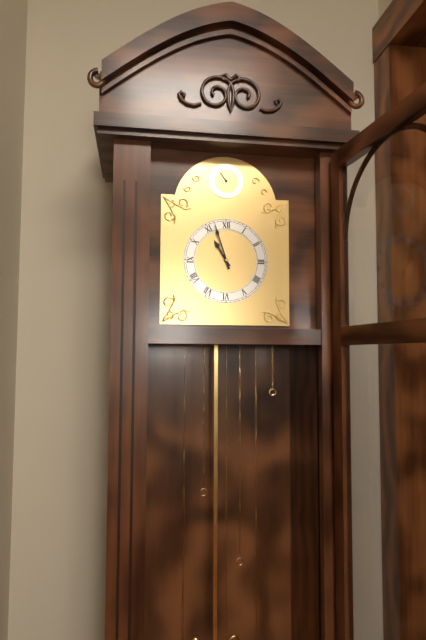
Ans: {"hour": 10, "minute": 57}
